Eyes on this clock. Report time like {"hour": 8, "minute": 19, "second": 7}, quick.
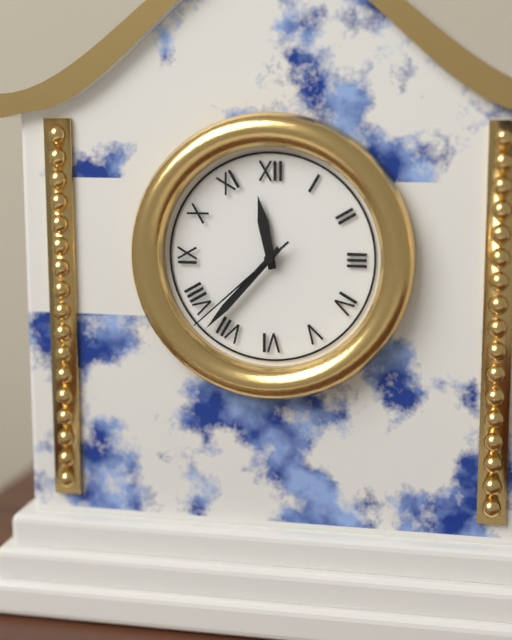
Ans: {"hour": 11, "minute": 37, "second": 38}
